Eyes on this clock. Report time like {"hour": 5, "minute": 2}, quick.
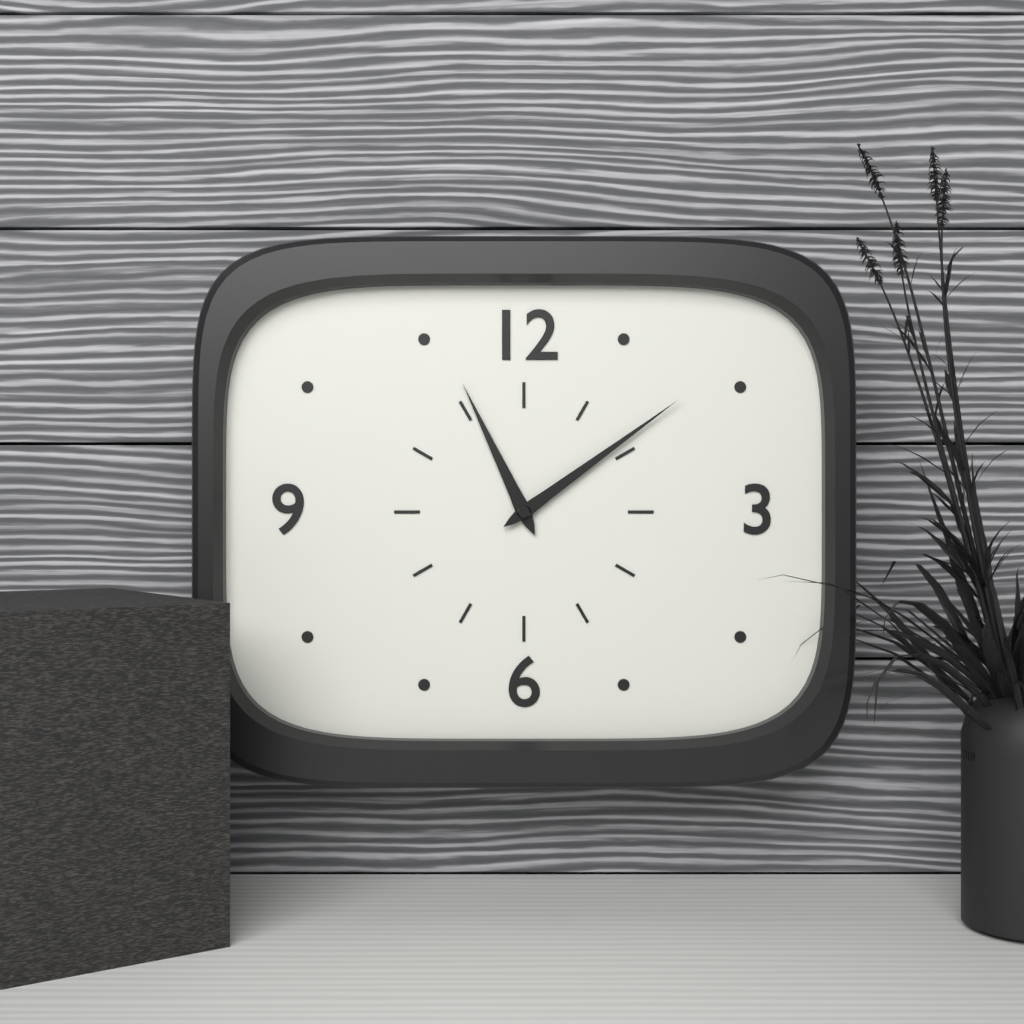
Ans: {"hour": 11, "minute": 9}
